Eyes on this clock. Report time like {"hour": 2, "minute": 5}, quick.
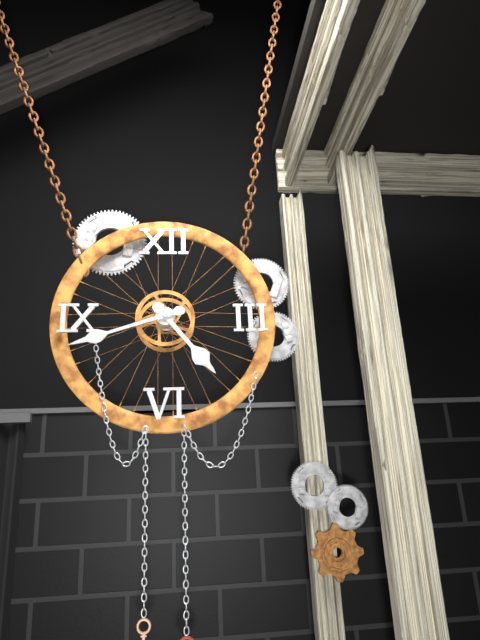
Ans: {"hour": 4, "minute": 42}
